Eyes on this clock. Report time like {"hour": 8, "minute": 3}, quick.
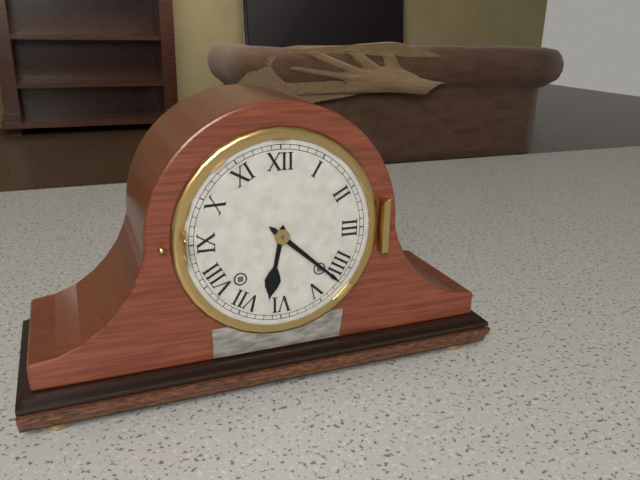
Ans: {"hour": 6, "minute": 22}
